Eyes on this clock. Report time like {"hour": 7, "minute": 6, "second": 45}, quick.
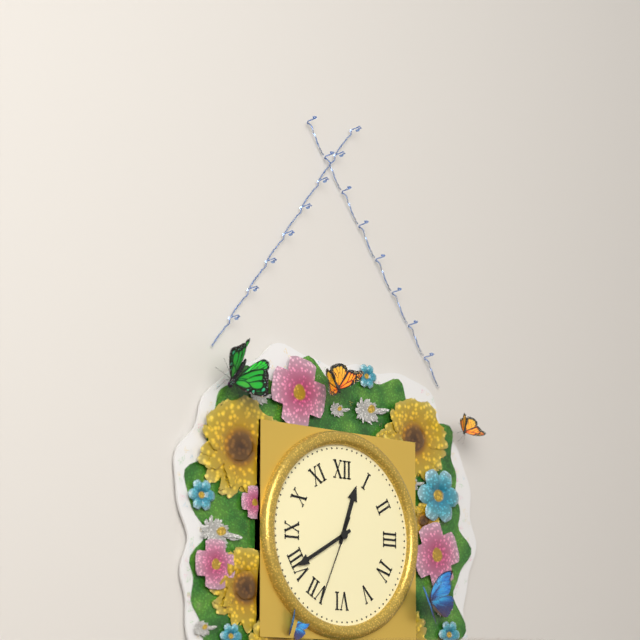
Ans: {"hour": 12, "minute": 40, "second": 34}
